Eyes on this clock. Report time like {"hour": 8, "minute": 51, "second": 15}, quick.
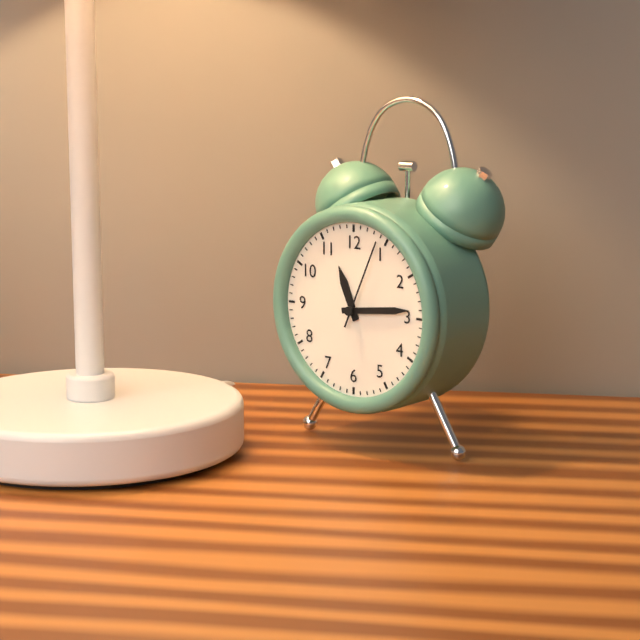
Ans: {"hour": 11, "minute": 14, "second": 4}
